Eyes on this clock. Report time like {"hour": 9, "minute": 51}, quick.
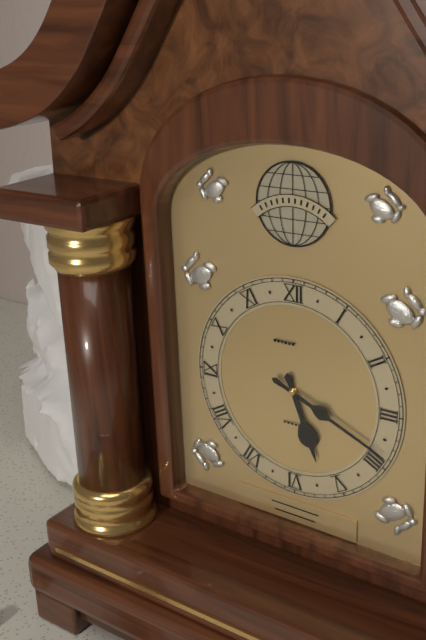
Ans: {"hour": 5, "minute": 19}
